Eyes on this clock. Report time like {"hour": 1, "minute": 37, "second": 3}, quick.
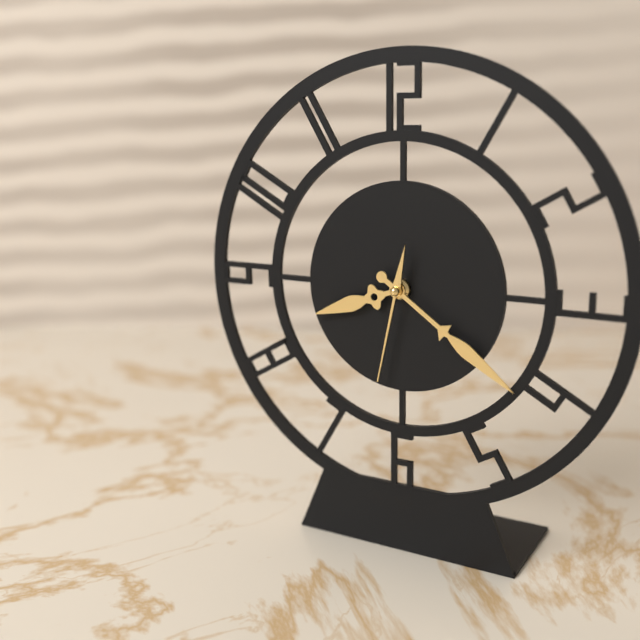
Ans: {"hour": 8, "minute": 21, "second": 32}
